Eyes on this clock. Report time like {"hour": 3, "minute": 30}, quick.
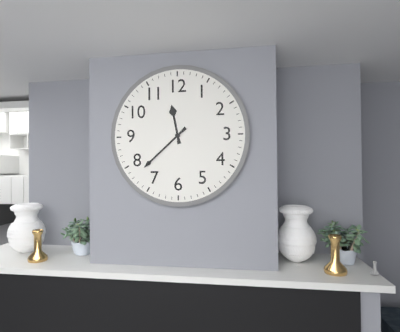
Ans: {"hour": 11, "minute": 38}
